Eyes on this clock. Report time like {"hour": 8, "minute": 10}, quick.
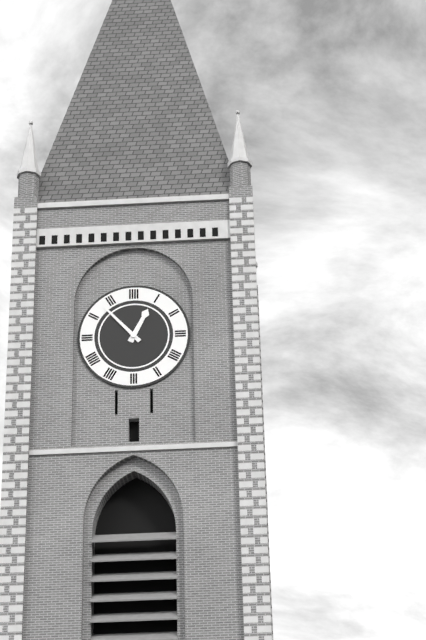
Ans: {"hour": 12, "minute": 53}
